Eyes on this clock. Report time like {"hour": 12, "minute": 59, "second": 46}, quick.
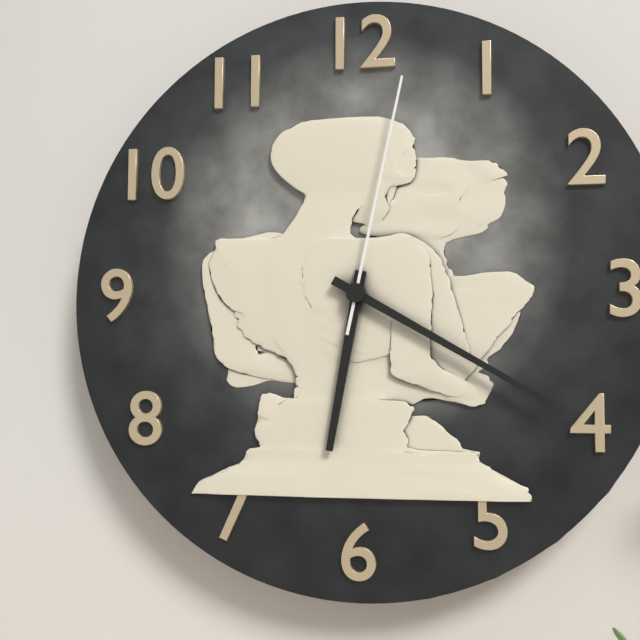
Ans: {"hour": 6, "minute": 20, "second": 2}
